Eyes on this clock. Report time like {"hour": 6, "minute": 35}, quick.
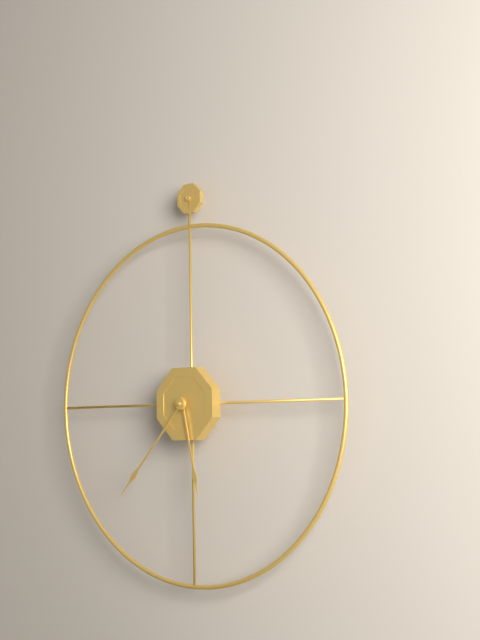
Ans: {"hour": 5, "minute": 37}
